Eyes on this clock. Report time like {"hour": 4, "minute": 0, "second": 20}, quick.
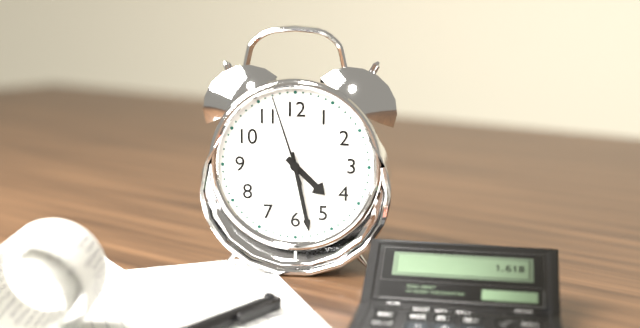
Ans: {"hour": 4, "minute": 28, "second": 57}
